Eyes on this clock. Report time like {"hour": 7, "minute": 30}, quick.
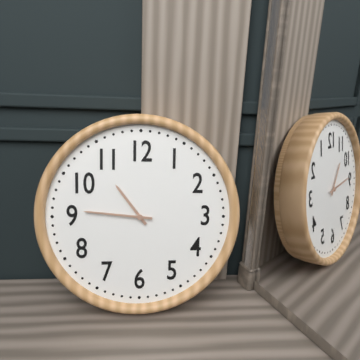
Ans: {"hour": 10, "minute": 46}
